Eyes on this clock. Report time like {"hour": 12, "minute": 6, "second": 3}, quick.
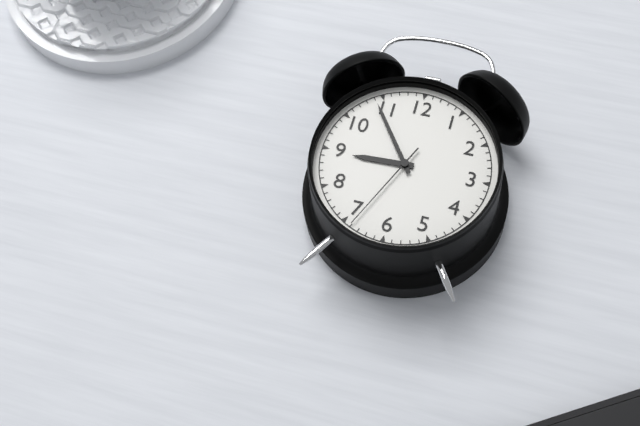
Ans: {"hour": 8, "minute": 54, "second": 34}
